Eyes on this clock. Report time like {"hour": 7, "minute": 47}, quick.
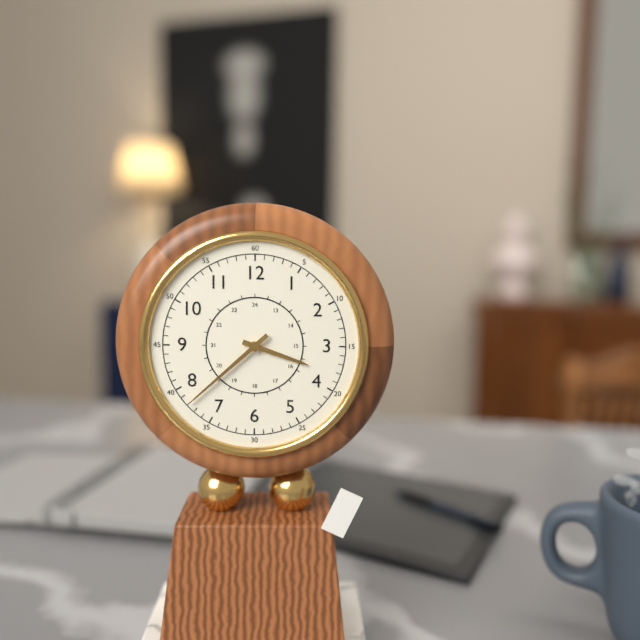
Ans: {"hour": 3, "minute": 38}
